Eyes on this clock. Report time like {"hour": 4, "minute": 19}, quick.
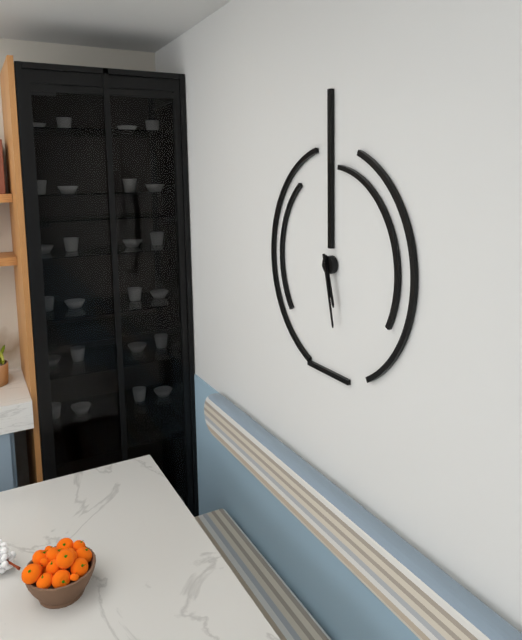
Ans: {"hour": 5, "minute": 28}
